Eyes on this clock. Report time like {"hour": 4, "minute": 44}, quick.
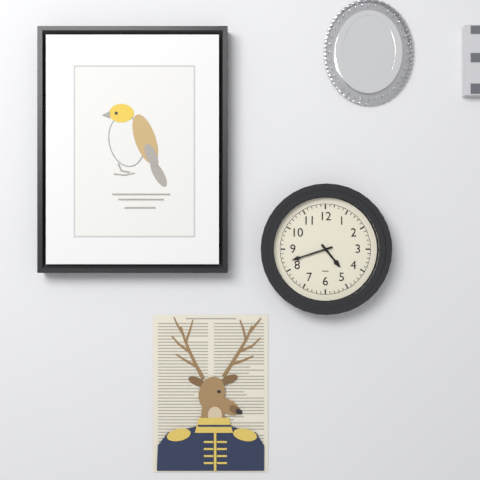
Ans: {"hour": 4, "minute": 42}
